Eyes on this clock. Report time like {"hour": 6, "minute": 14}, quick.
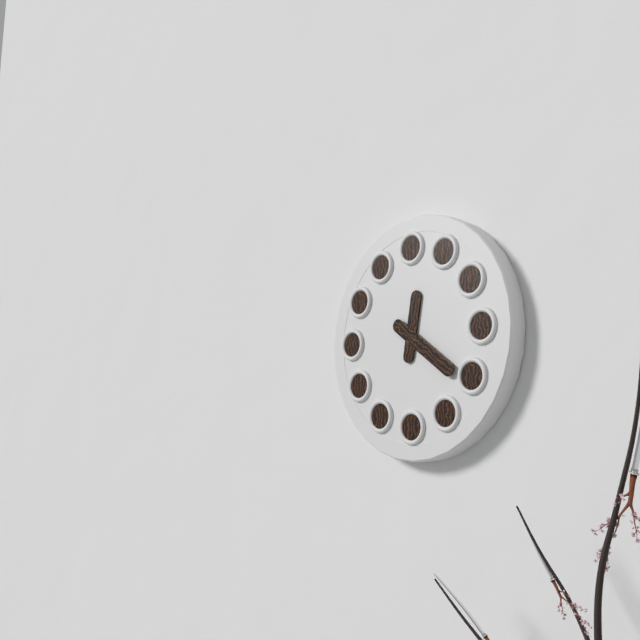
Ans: {"hour": 12, "minute": 21}
